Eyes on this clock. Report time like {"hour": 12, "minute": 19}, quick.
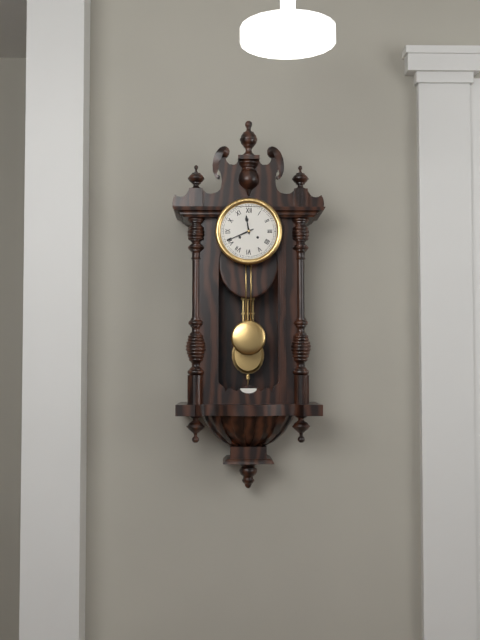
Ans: {"hour": 11, "minute": 41}
